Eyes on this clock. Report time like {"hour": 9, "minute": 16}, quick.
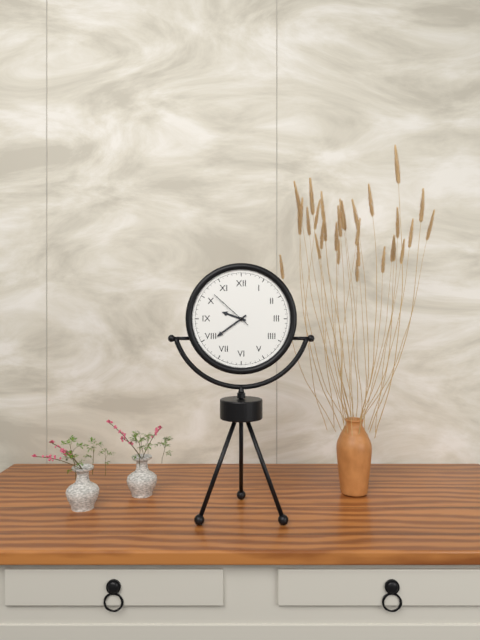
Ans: {"hour": 9, "minute": 39}
